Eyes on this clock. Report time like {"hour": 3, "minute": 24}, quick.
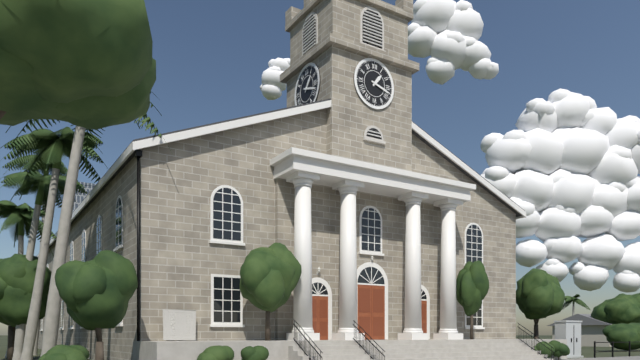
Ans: {"hour": 1, "minute": 18}
